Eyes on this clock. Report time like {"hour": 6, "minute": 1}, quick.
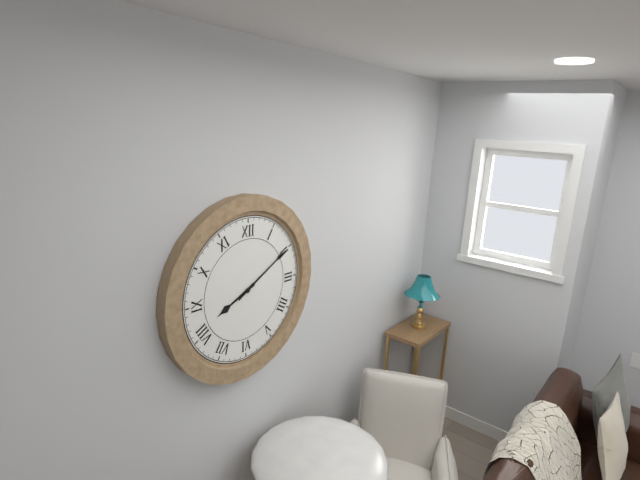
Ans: {"hour": 8, "minute": 10}
